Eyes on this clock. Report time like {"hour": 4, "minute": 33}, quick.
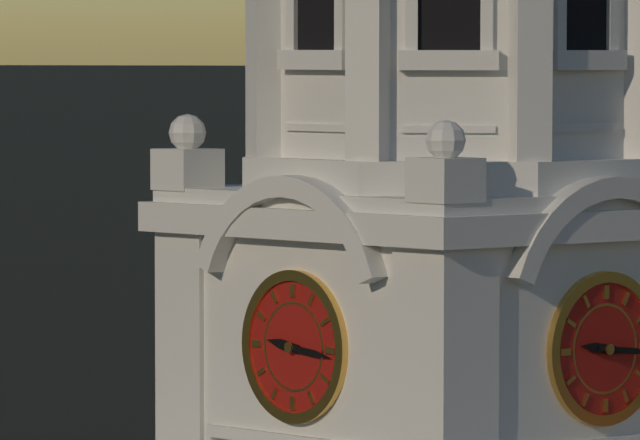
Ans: {"hour": 9, "minute": 16}
